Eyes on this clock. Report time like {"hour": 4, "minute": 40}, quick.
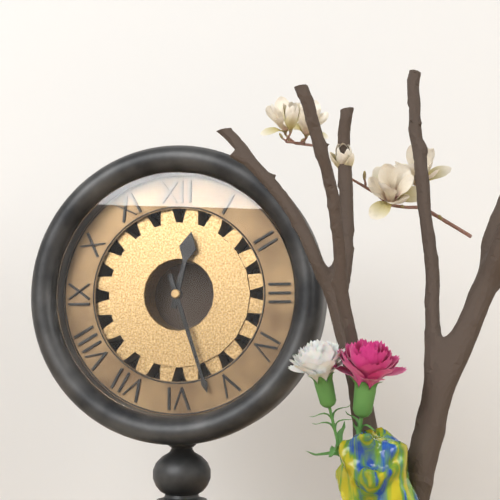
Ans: {"hour": 12, "minute": 27}
